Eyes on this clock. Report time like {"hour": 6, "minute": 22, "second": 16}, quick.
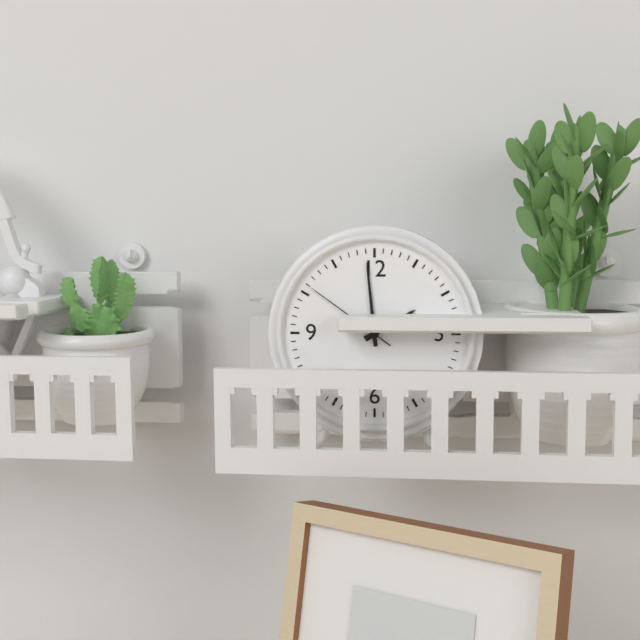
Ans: {"hour": 1, "minute": 59, "second": 51}
